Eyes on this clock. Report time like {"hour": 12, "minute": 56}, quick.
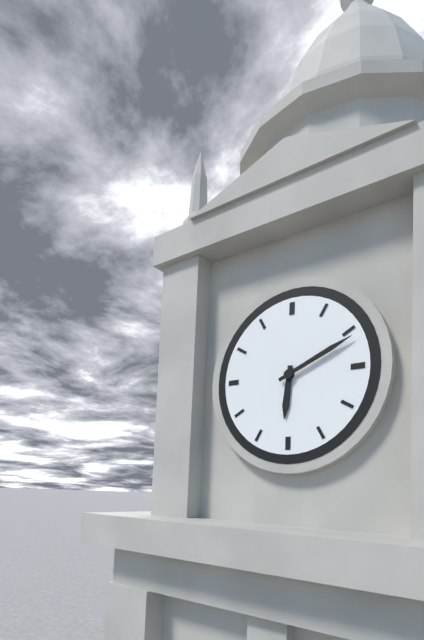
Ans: {"hour": 6, "minute": 11}
